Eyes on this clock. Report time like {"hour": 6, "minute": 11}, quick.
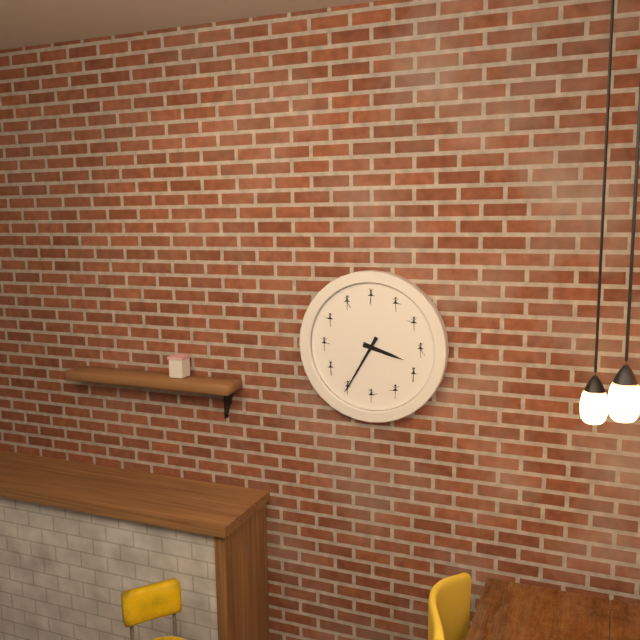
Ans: {"hour": 3, "minute": 35}
